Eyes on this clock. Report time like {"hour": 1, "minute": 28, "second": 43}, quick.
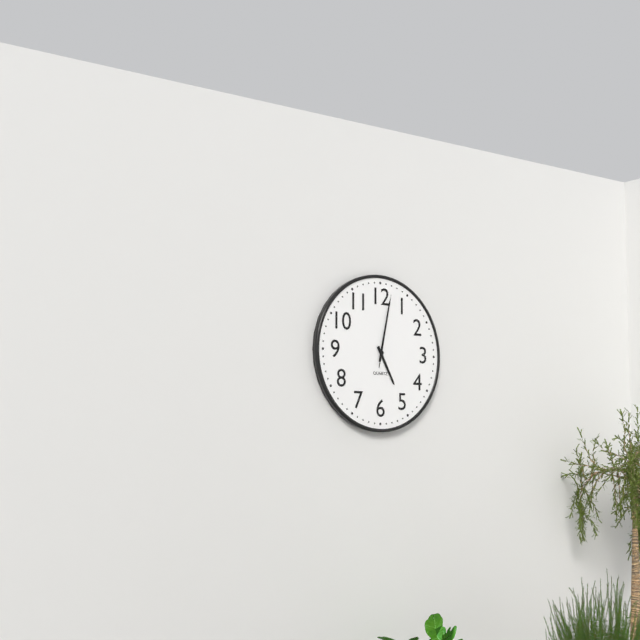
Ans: {"hour": 5, "minute": 2, "second": 2}
